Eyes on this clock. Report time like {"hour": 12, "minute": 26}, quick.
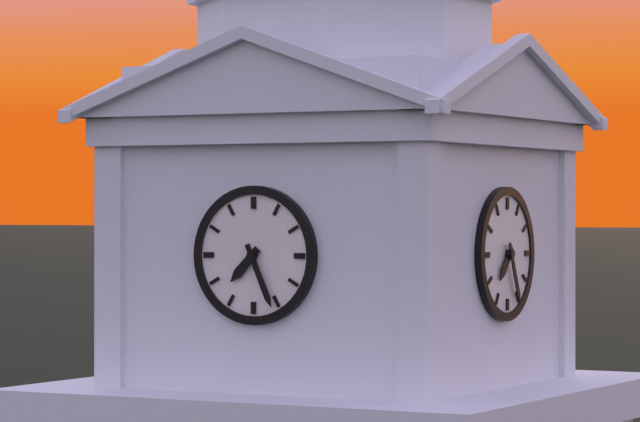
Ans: {"hour": 7, "minute": 26}
